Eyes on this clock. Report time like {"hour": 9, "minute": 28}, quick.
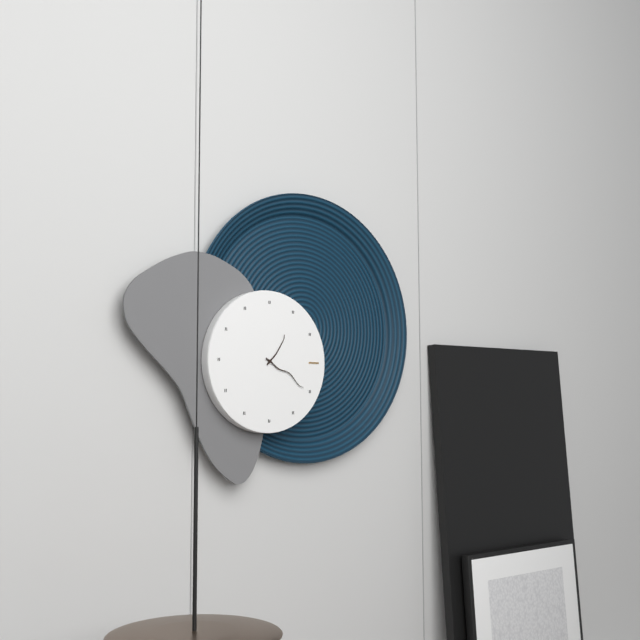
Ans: {"hour": 1, "minute": 20}
